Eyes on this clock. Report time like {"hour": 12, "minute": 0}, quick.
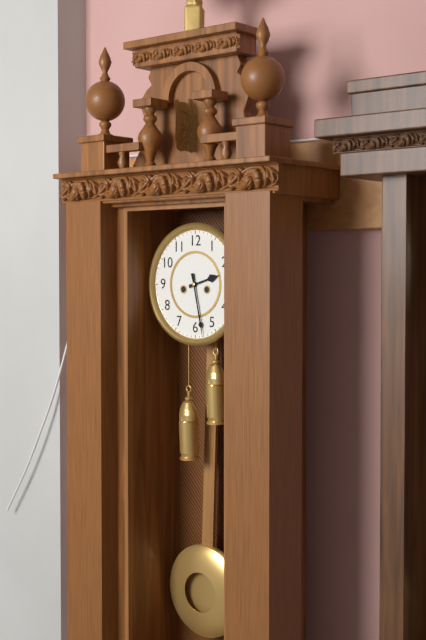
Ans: {"hour": 2, "minute": 28}
